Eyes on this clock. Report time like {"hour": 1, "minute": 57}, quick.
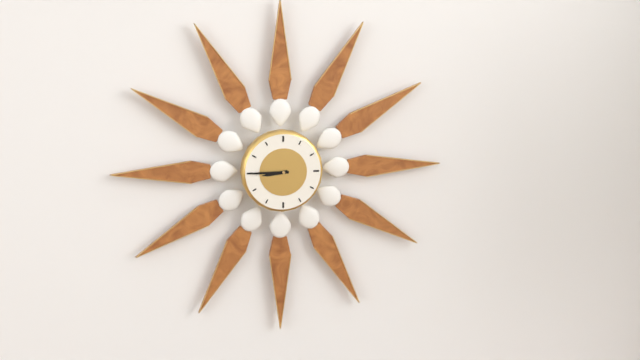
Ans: {"hour": 8, "minute": 45}
